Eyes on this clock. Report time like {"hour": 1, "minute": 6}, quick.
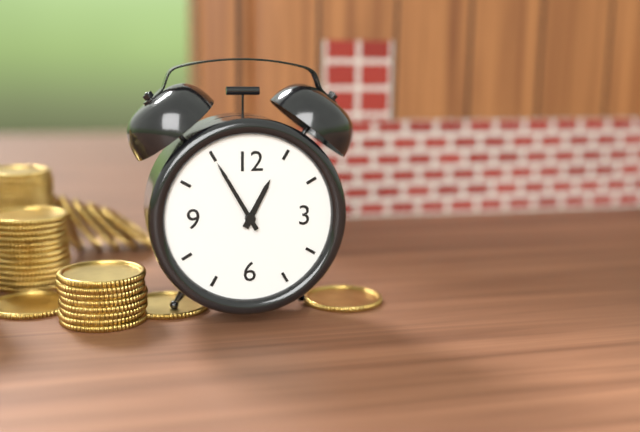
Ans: {"hour": 12, "minute": 55}
